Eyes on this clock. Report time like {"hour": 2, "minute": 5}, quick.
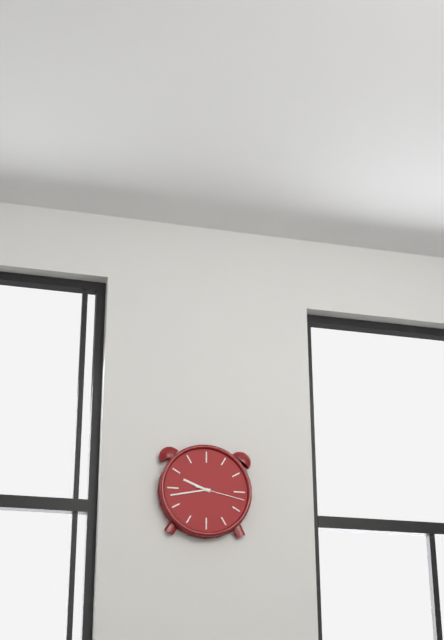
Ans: {"hour": 9, "minute": 43}
